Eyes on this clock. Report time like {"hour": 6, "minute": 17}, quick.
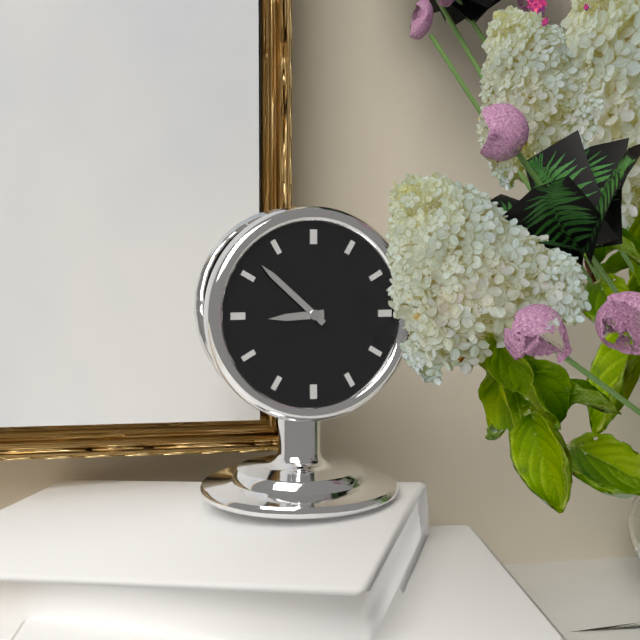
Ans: {"hour": 8, "minute": 52}
